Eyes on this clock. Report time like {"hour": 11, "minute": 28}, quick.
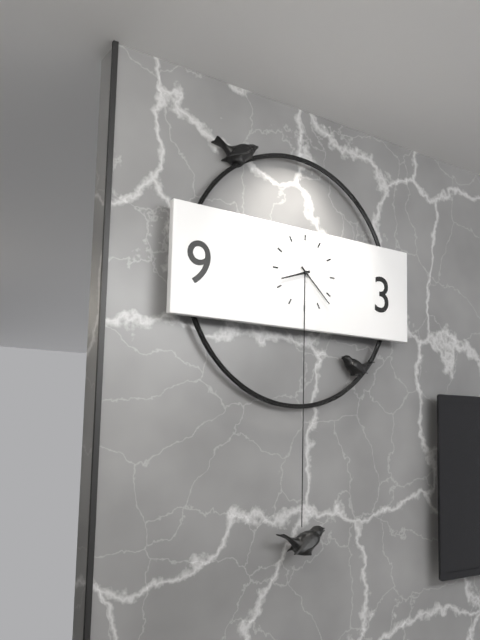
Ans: {"hour": 8, "minute": 22}
